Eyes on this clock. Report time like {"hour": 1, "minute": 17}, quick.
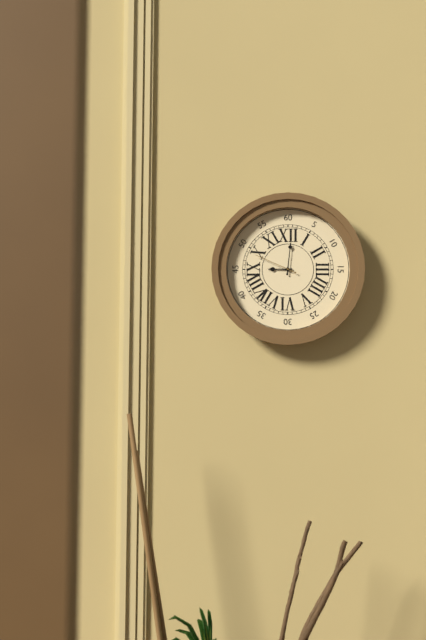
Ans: {"hour": 9, "minute": 1}
